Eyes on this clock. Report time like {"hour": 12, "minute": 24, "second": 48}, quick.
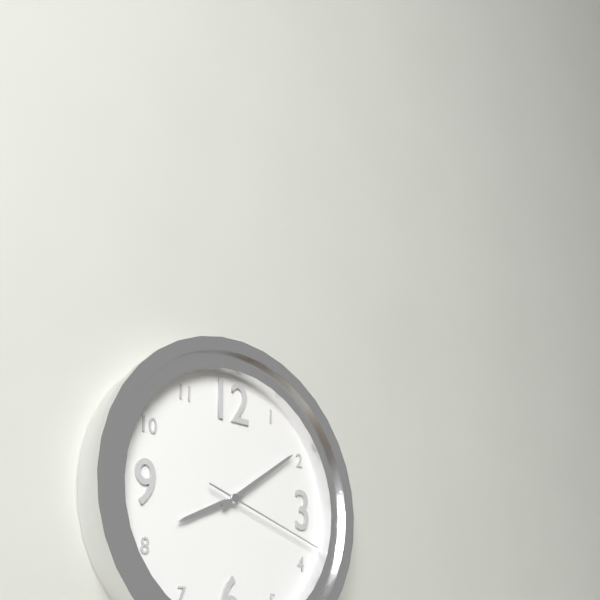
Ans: {"hour": 8, "minute": 9, "second": 18}
